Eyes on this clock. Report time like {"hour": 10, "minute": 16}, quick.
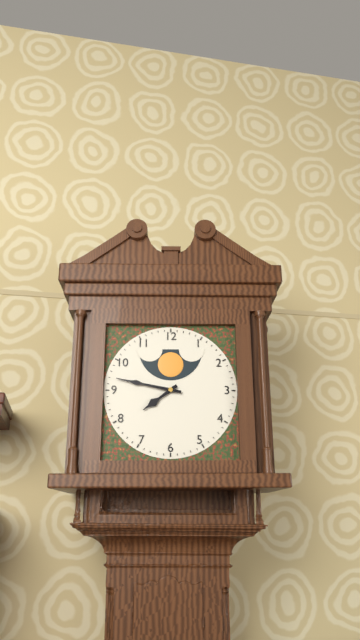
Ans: {"hour": 7, "minute": 47}
